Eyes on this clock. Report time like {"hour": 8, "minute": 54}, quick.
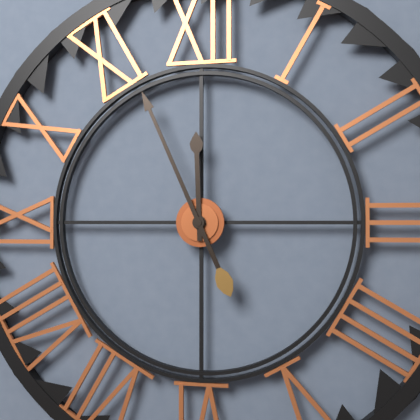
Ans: {"hour": 11, "minute": 56}
